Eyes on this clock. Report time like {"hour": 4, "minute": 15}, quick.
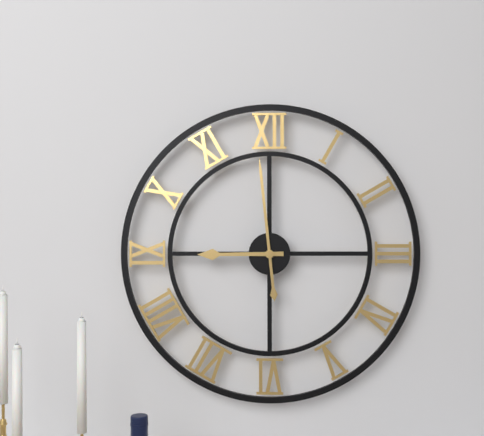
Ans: {"hour": 8, "minute": 59}
